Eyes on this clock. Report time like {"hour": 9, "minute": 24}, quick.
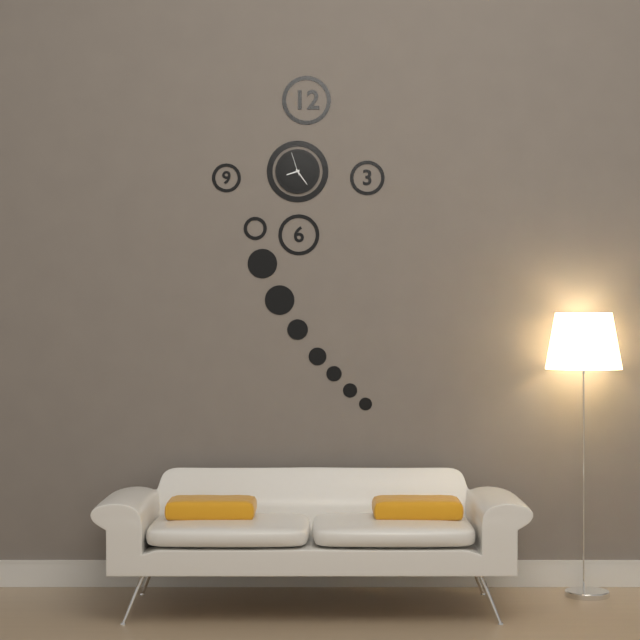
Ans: {"hour": 8, "minute": 24}
